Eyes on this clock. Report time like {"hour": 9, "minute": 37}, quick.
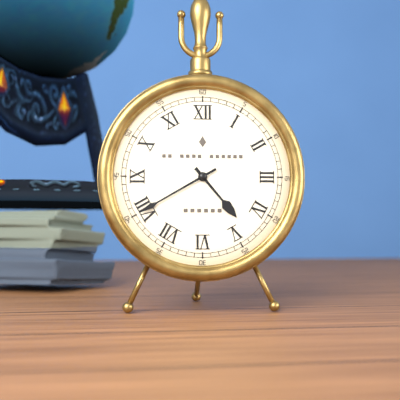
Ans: {"hour": 4, "minute": 40}
